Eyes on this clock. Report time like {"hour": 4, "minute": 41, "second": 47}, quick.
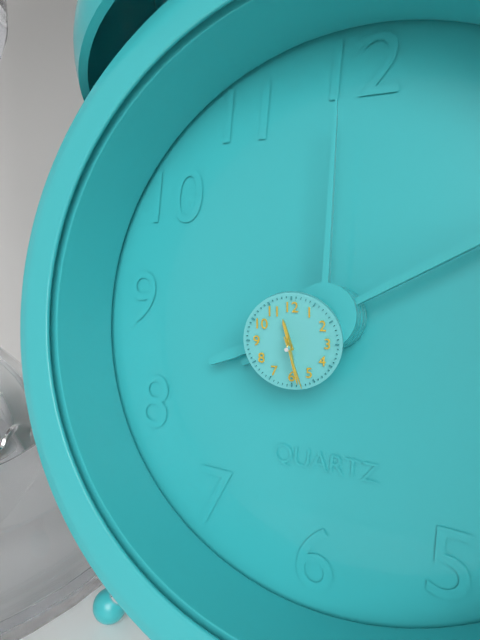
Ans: {"hour": 11, "minute": 28, "second": 27}
